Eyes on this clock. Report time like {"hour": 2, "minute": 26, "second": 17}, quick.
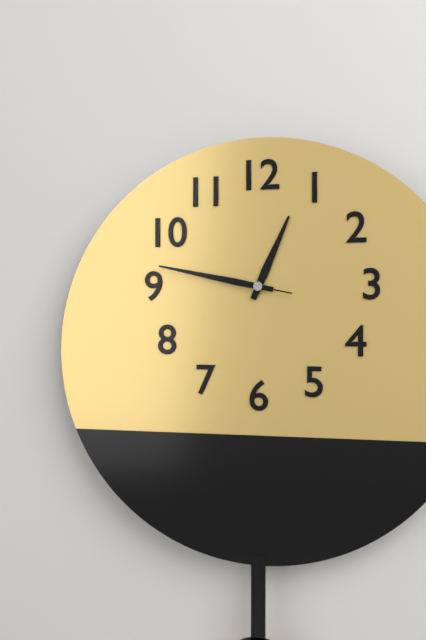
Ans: {"hour": 12, "minute": 47, "second": 47}
